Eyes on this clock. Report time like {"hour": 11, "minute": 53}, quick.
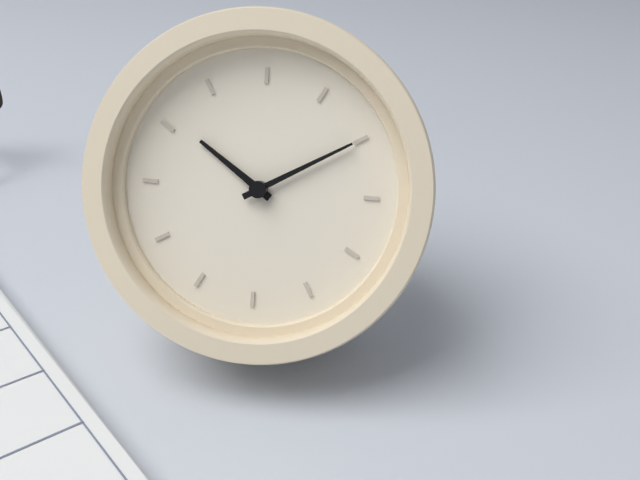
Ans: {"hour": 10, "minute": 10}
